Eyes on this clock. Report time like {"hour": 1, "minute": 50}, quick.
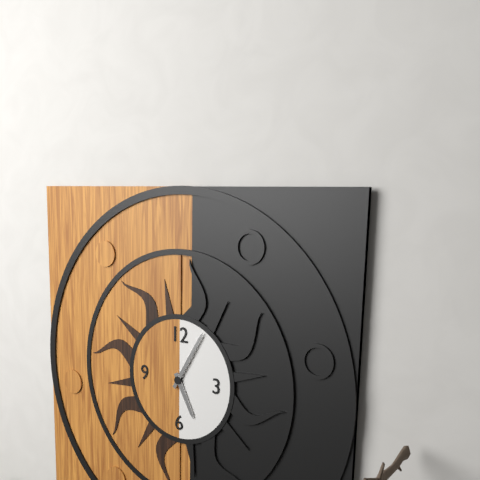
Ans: {"hour": 5, "minute": 5}
